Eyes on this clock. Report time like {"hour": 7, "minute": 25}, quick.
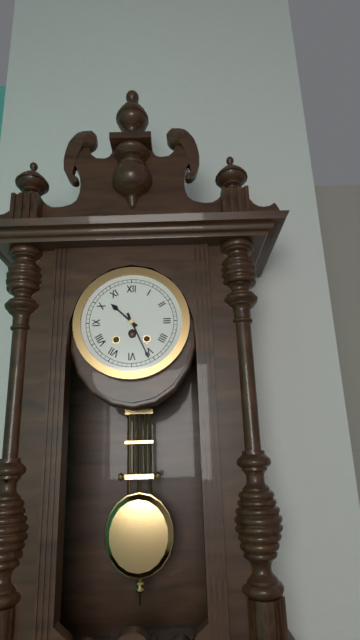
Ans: {"hour": 10, "minute": 26}
